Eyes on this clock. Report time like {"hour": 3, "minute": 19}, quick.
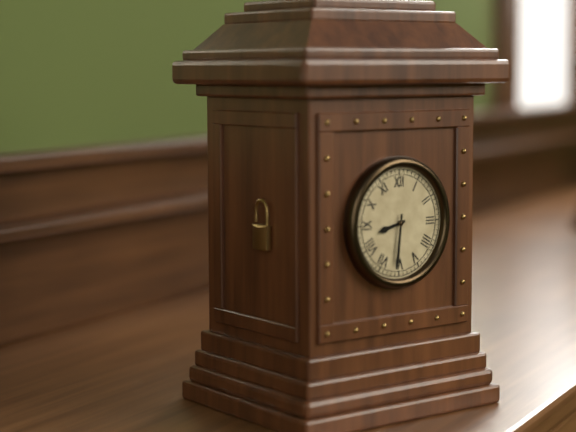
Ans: {"hour": 8, "minute": 31}
